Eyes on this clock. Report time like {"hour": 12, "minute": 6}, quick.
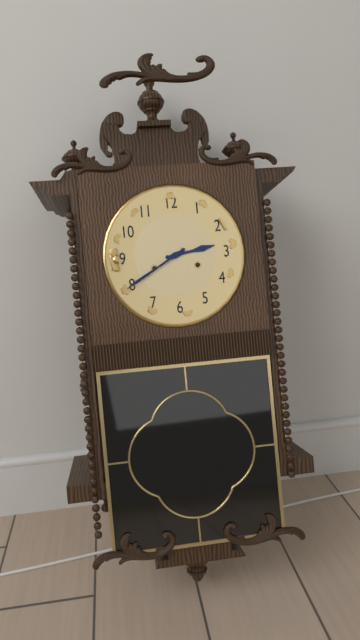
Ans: {"hour": 2, "minute": 40}
